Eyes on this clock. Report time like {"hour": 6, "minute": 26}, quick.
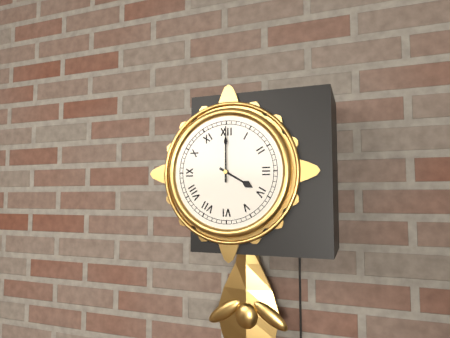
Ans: {"hour": 4, "minute": 0}
